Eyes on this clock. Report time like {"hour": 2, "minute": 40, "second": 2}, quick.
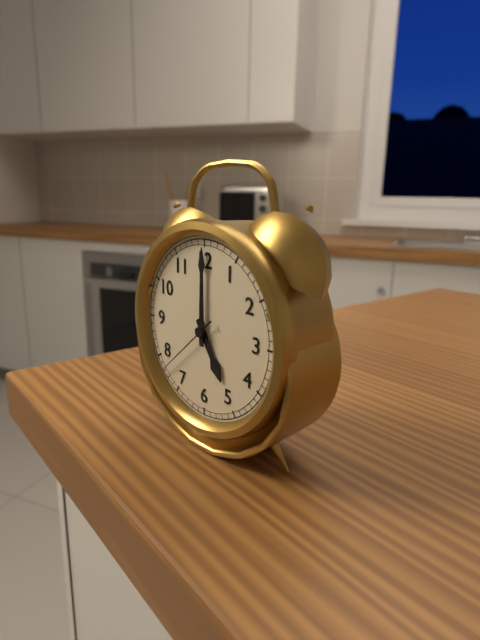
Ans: {"hour": 5, "minute": 0, "second": 38}
